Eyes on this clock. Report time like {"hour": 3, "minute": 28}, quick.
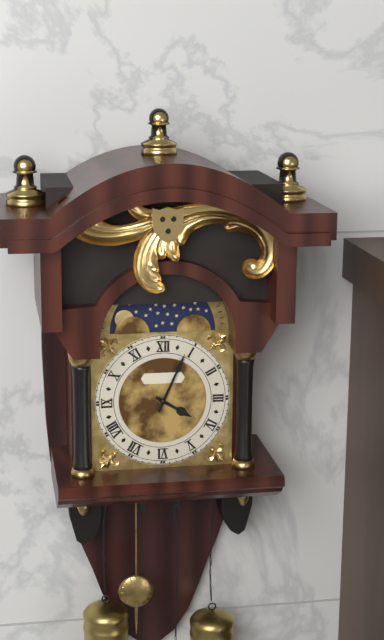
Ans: {"hour": 4, "minute": 4}
